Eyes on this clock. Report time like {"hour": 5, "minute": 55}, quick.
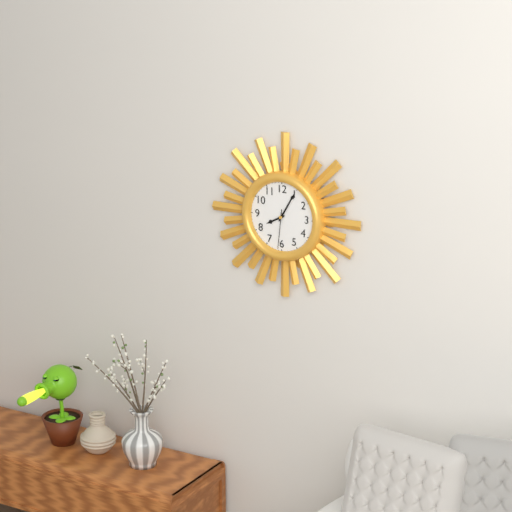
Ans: {"hour": 8, "minute": 5}
